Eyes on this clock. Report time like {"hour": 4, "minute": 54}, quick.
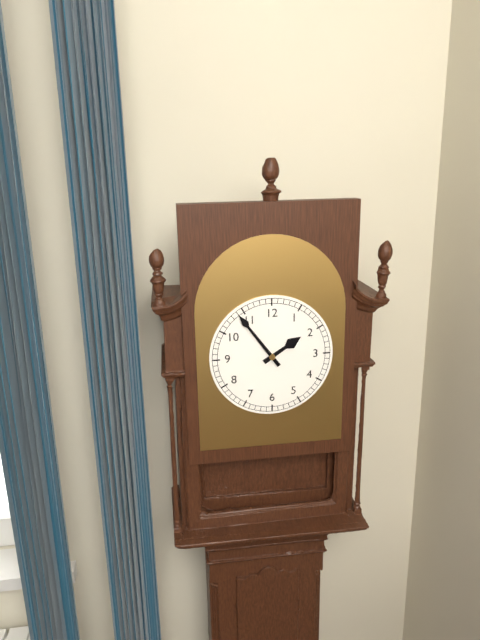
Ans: {"hour": 1, "minute": 54}
